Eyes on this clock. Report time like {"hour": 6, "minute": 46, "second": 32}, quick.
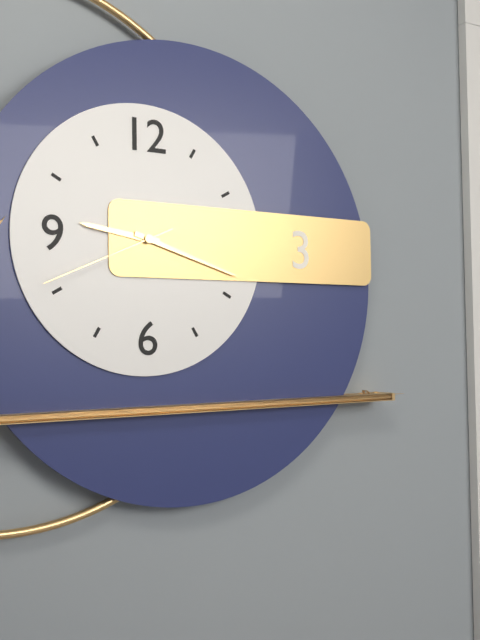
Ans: {"hour": 9, "minute": 18, "second": 41}
